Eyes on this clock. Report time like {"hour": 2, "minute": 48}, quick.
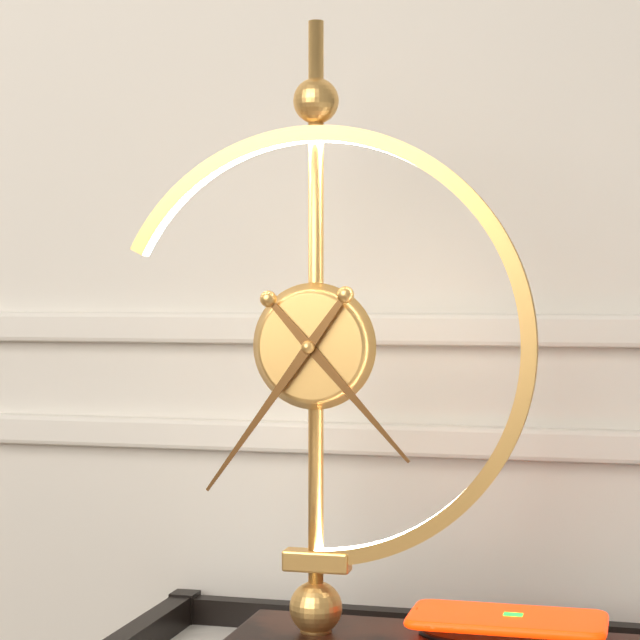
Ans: {"hour": 4, "minute": 36}
